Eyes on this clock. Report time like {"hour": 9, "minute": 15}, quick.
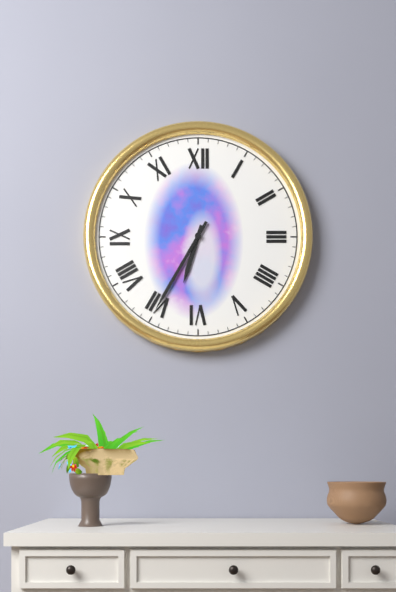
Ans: {"hour": 6, "minute": 35}
